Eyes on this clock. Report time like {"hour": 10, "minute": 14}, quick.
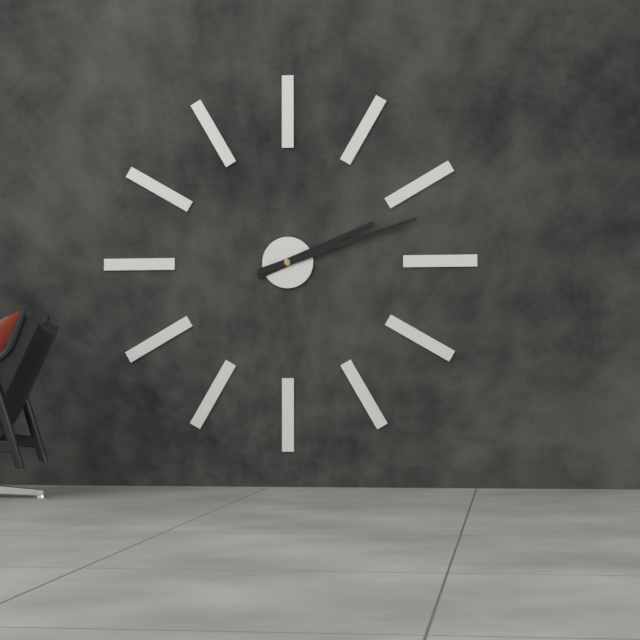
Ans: {"hour": 2, "minute": 12}
